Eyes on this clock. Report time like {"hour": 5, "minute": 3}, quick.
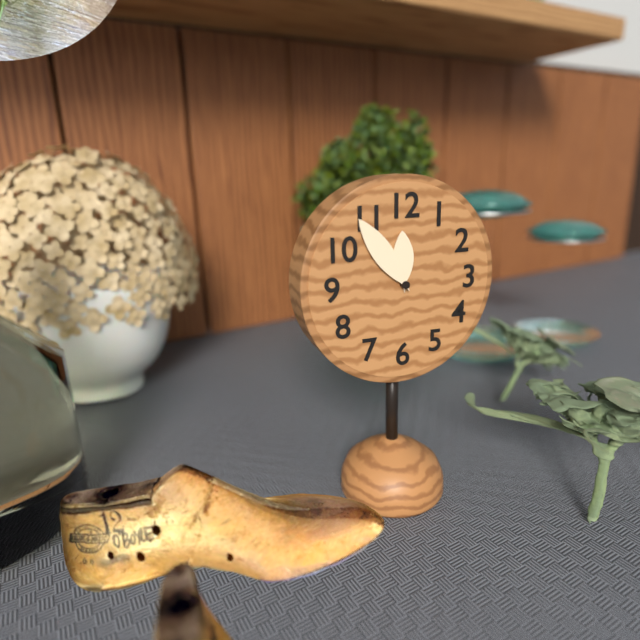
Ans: {"hour": 11, "minute": 54}
